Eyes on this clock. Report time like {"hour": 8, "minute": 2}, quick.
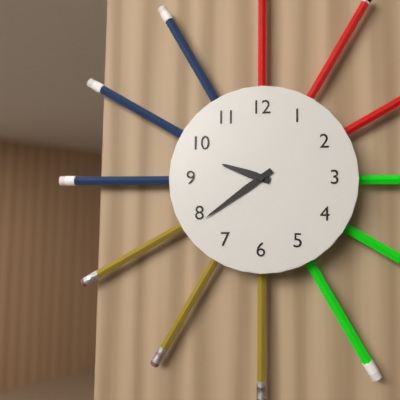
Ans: {"hour": 9, "minute": 39}
